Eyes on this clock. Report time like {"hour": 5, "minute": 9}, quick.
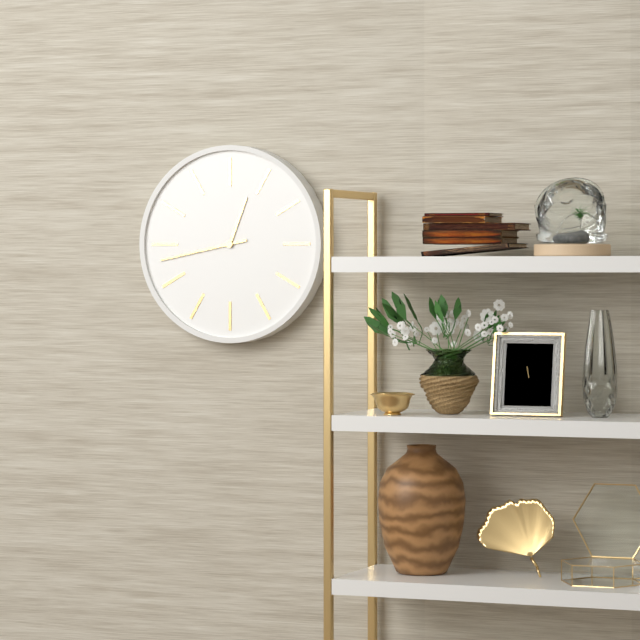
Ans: {"hour": 12, "minute": 43}
